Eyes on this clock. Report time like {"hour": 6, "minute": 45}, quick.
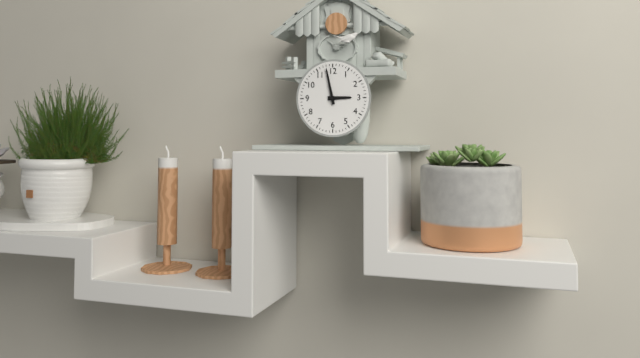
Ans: {"hour": 2, "minute": 58}
